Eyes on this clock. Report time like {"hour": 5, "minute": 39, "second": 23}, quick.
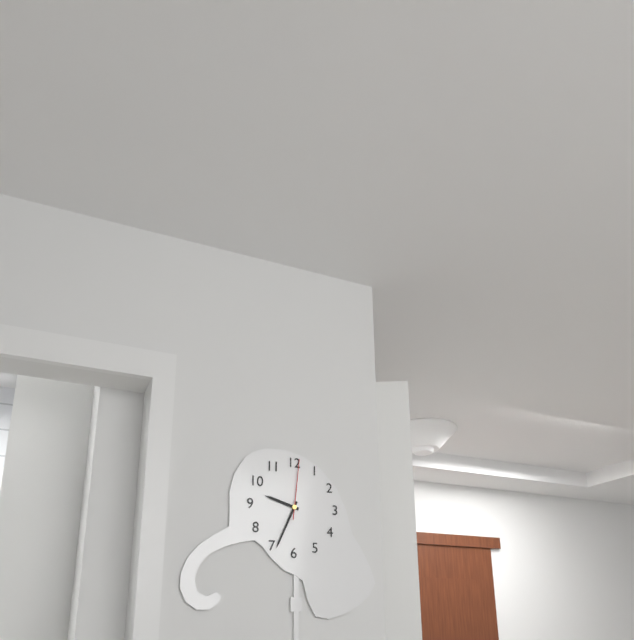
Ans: {"hour": 9, "minute": 34, "second": 1}
